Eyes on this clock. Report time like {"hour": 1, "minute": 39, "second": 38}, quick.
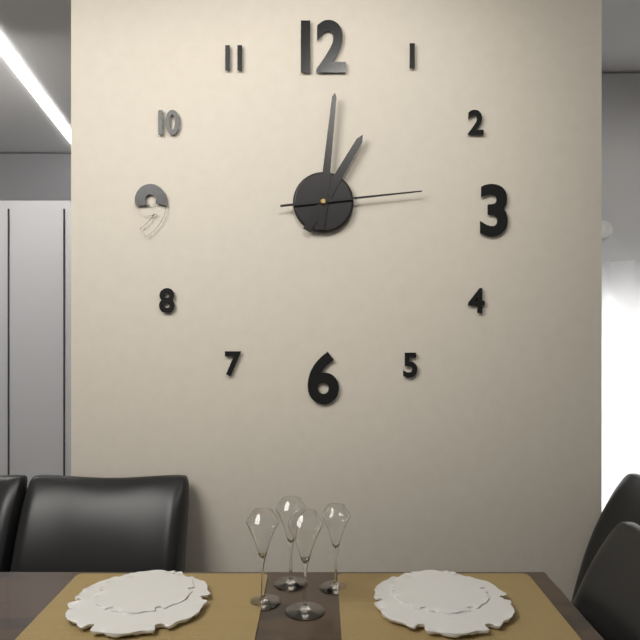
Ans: {"hour": 1, "minute": 1, "second": 14}
